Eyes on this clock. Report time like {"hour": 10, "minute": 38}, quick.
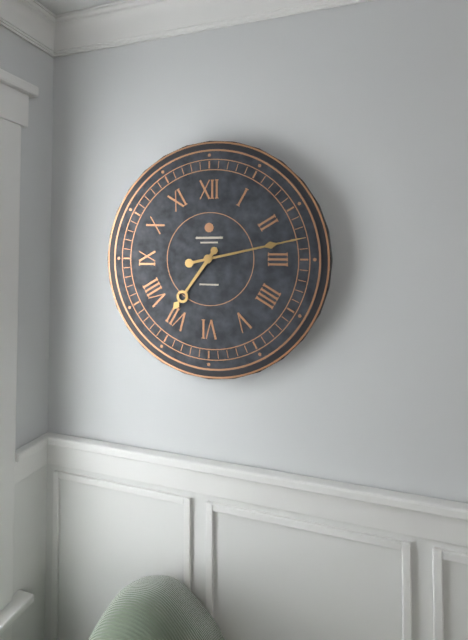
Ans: {"hour": 7, "minute": 13}
